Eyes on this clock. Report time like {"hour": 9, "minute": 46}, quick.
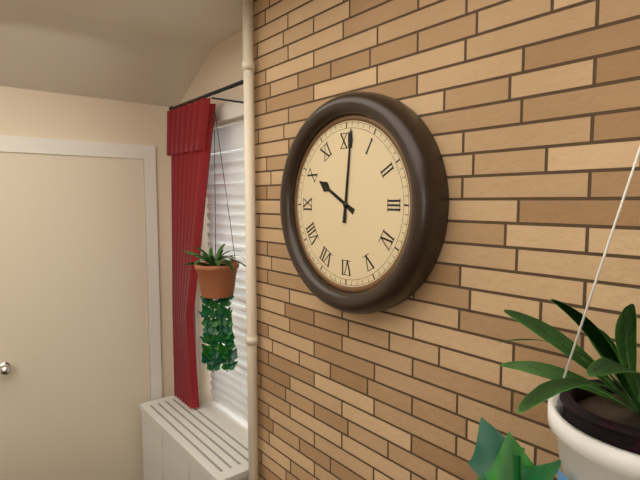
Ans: {"hour": 10, "minute": 1}
